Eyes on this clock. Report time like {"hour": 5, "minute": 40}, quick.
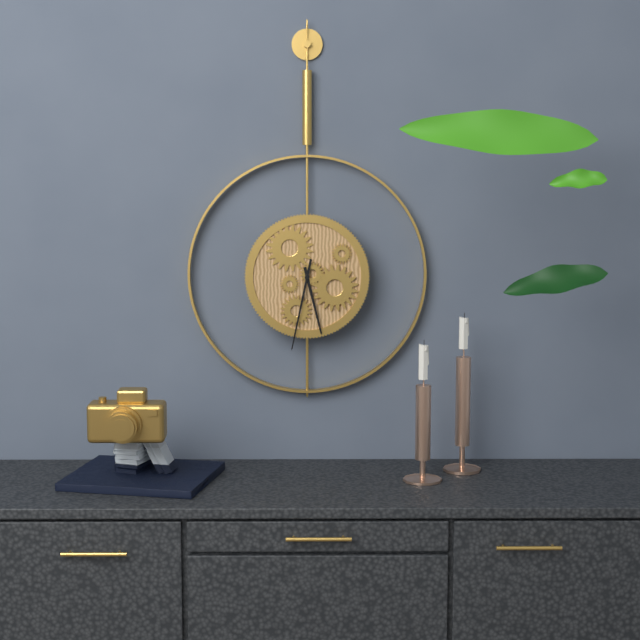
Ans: {"hour": 5, "minute": 32}
